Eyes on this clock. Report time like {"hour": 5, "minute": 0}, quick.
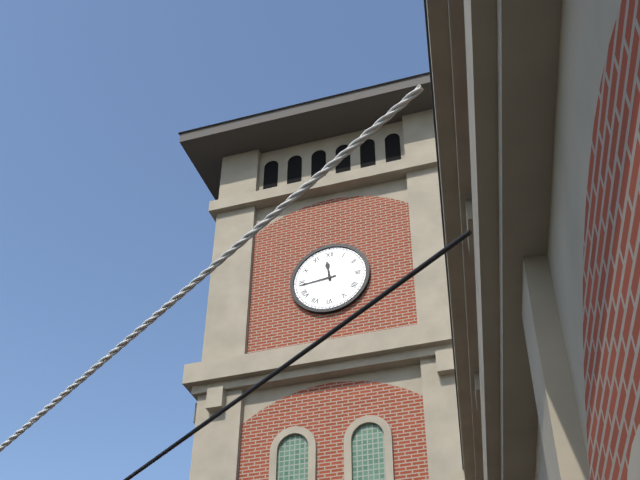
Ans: {"hour": 11, "minute": 44}
